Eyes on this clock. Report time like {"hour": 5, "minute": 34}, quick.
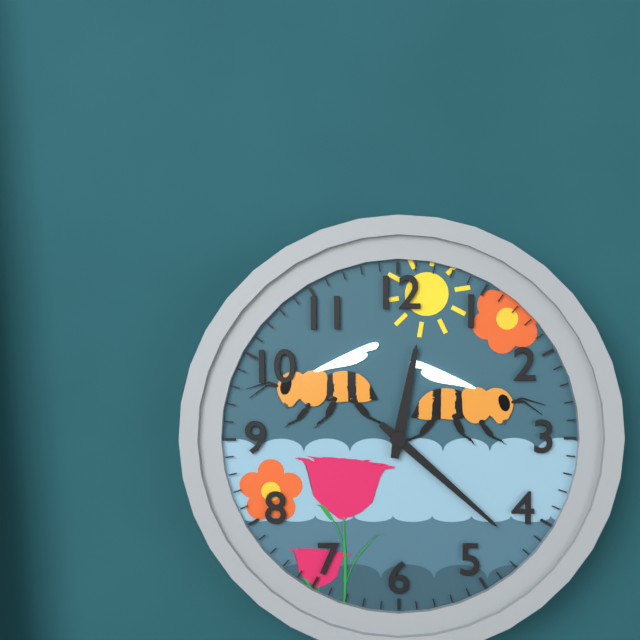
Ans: {"hour": 12, "minute": 22}
